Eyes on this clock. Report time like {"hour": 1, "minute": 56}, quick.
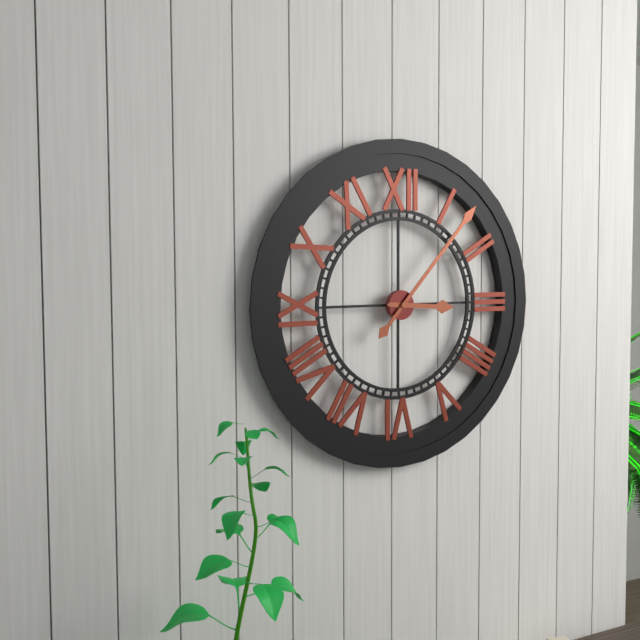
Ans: {"hour": 3, "minute": 7}
